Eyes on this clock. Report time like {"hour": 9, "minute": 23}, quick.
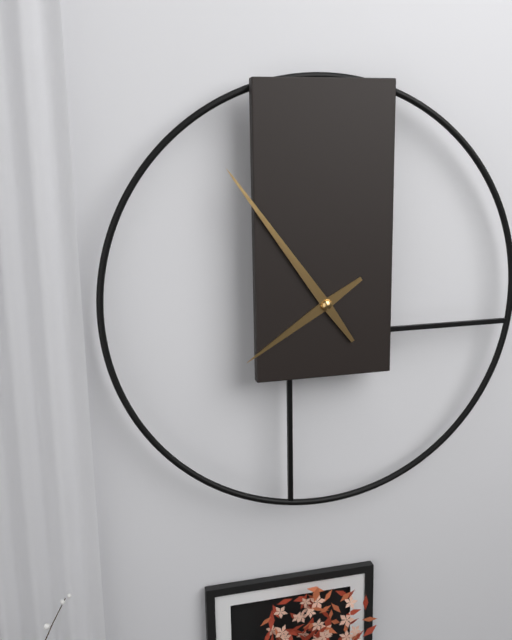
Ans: {"hour": 7, "minute": 54}
